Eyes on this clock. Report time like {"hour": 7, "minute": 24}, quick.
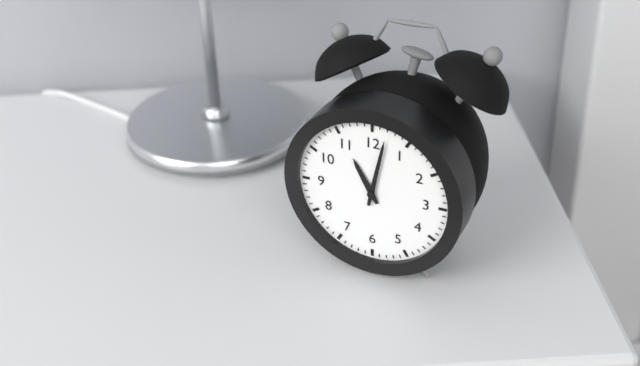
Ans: {"hour": 11, "minute": 2}
